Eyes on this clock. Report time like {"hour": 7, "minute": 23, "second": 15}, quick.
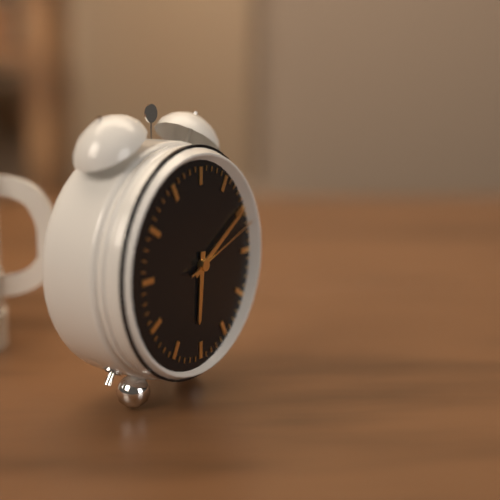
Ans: {"hour": 6, "minute": 10, "second": 12}
